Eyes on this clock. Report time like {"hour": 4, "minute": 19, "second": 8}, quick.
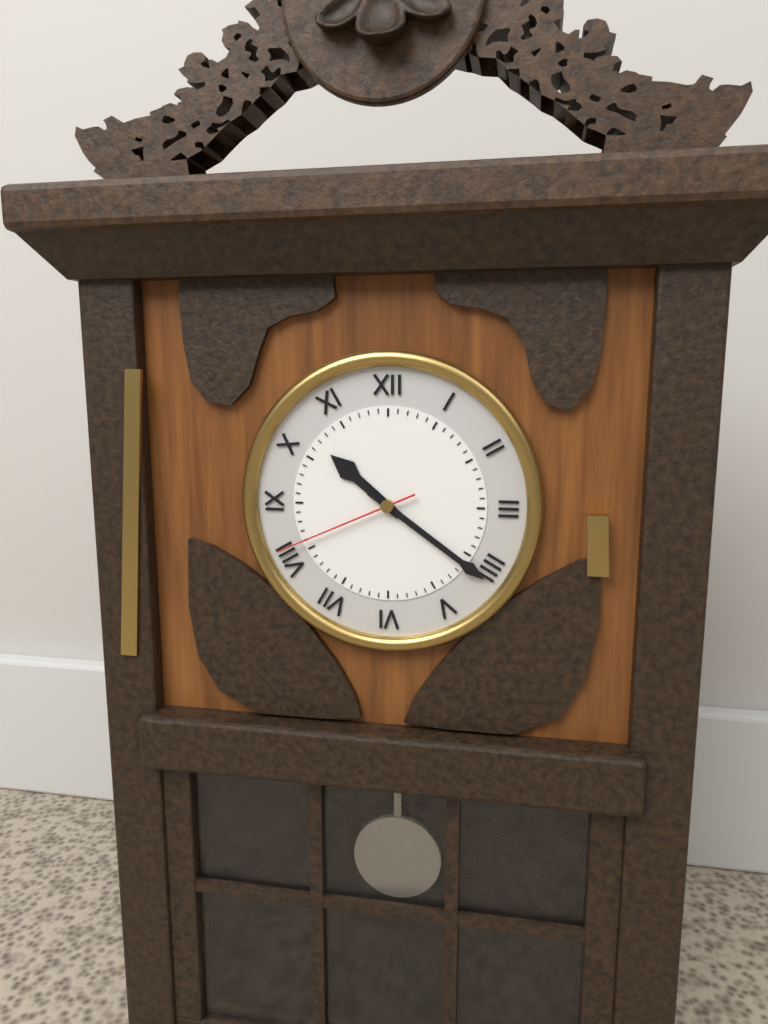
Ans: {"hour": 10, "minute": 21, "second": 41}
